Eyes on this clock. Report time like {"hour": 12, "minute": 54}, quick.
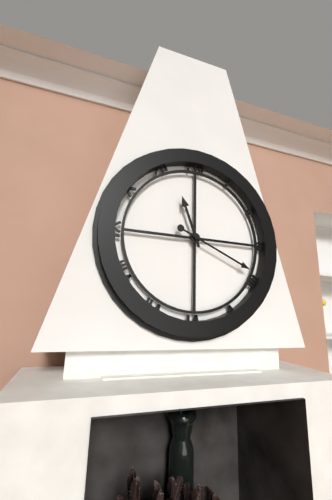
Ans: {"hour": 11, "minute": 19}
